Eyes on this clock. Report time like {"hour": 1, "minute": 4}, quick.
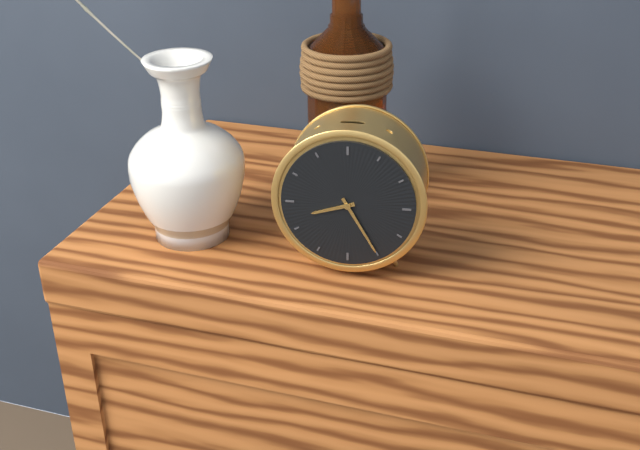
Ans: {"hour": 8, "minute": 25}
